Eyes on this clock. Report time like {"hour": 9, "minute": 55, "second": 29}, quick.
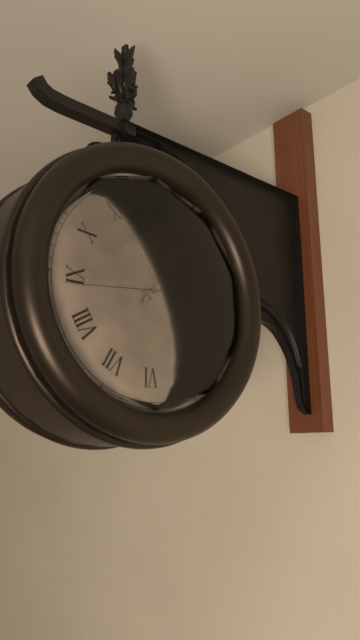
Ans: {"hour": 1, "minute": 6, "second": 44}
